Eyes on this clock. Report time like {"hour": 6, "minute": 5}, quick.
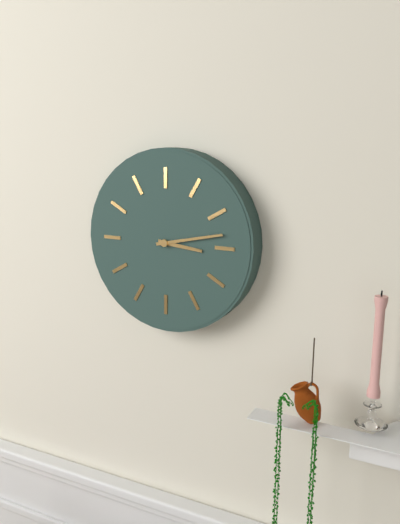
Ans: {"hour": 3, "minute": 13}
